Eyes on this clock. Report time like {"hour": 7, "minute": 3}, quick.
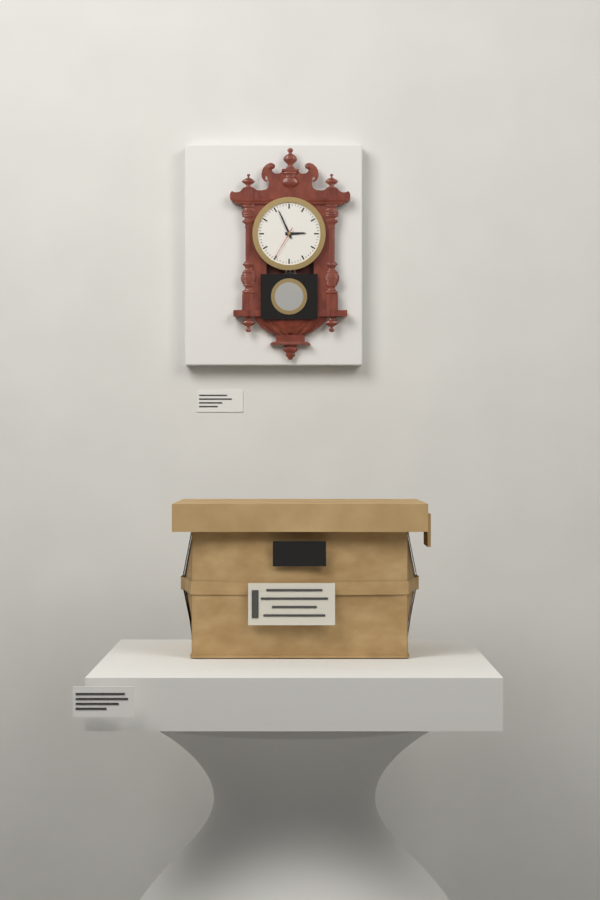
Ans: {"hour": 2, "minute": 56}
